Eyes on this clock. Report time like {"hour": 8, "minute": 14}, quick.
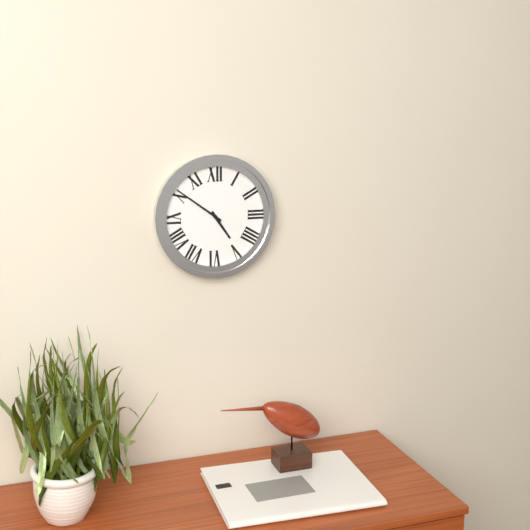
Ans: {"hour": 4, "minute": 51}
